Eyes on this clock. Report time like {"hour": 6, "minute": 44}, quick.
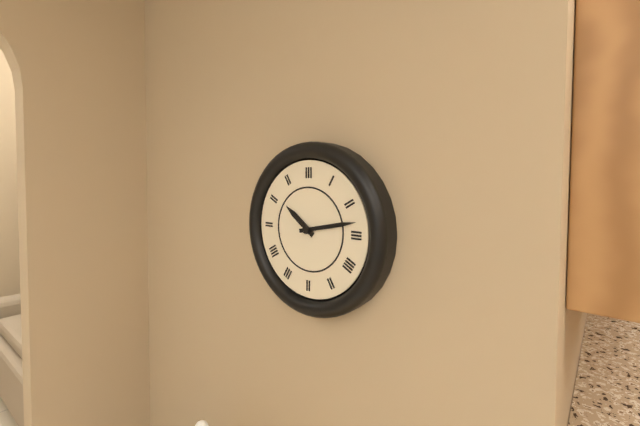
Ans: {"hour": 10, "minute": 13}
